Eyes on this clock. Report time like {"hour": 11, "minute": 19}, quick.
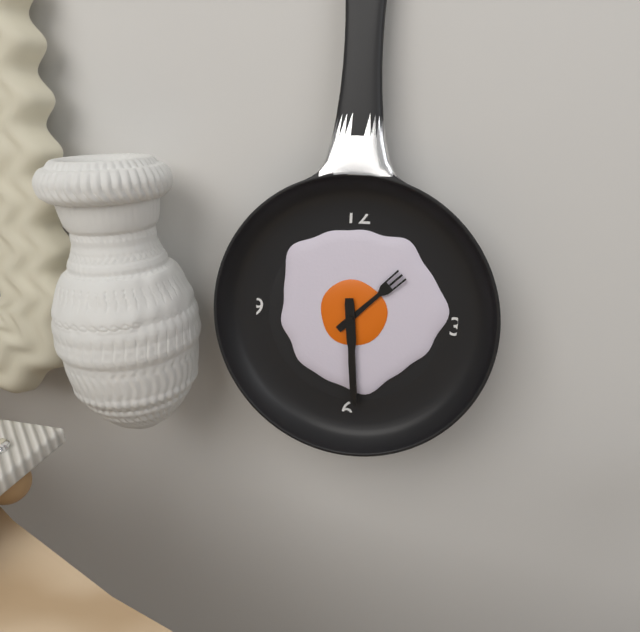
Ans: {"hour": 1, "minute": 29}
